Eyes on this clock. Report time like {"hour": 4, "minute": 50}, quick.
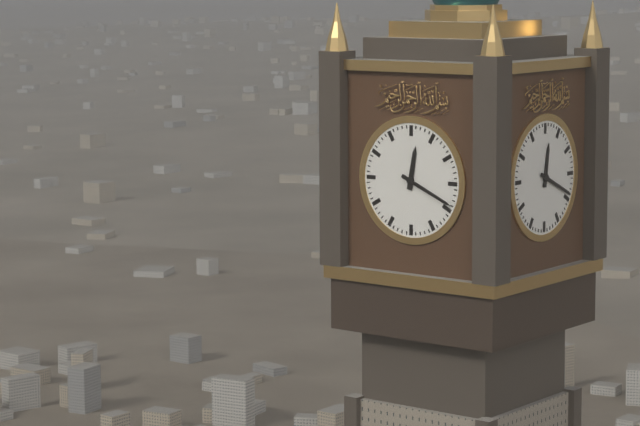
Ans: {"hour": 12, "minute": 19}
